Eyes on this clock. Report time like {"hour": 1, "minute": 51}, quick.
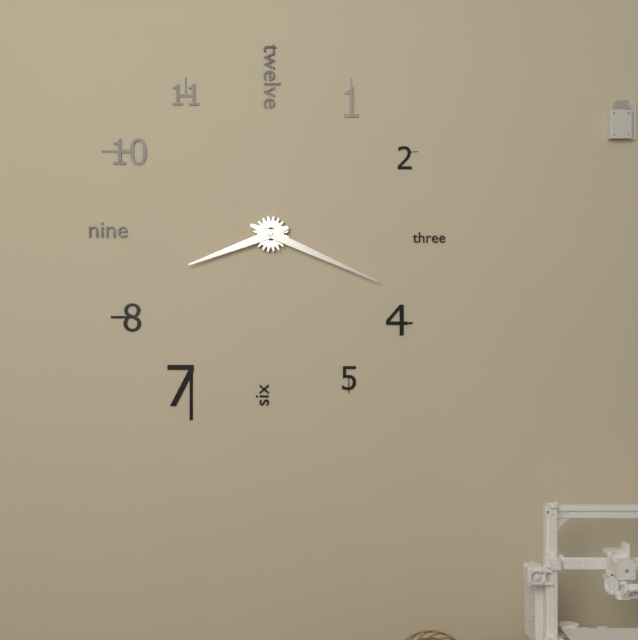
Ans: {"hour": 8, "minute": 19}
